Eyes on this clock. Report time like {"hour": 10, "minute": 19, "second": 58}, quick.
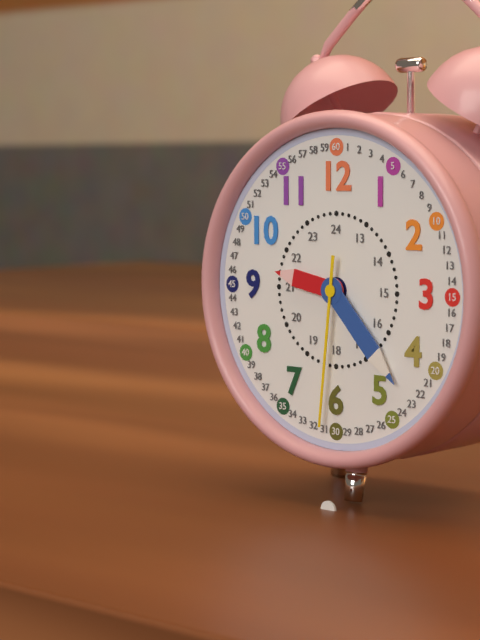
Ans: {"hour": 9, "minute": 23, "second": 31}
